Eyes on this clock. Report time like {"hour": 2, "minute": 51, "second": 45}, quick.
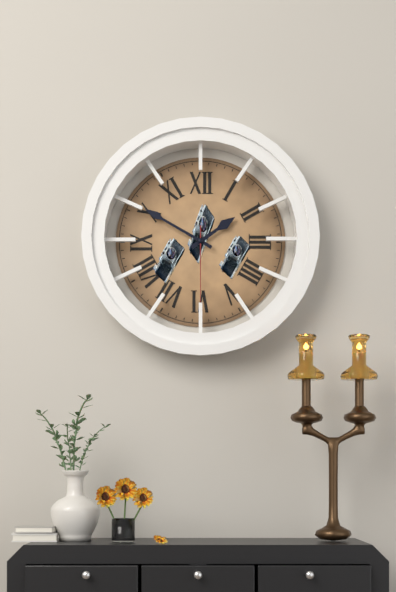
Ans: {"hour": 1, "minute": 50, "second": 30}
